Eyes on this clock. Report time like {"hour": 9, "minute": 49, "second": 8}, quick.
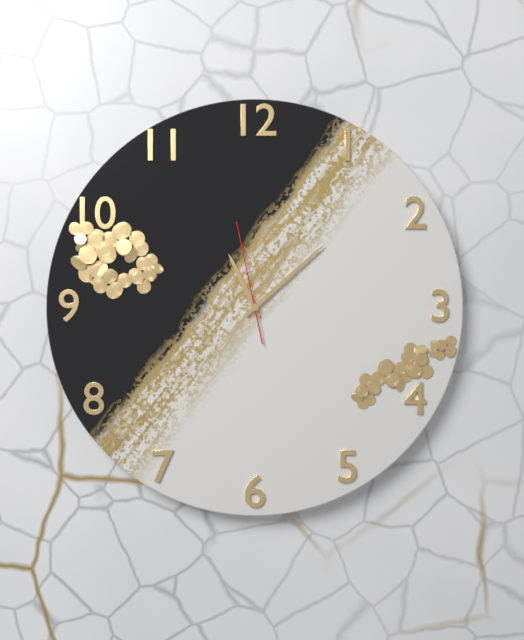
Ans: {"hour": 11, "minute": 8, "second": 58}
